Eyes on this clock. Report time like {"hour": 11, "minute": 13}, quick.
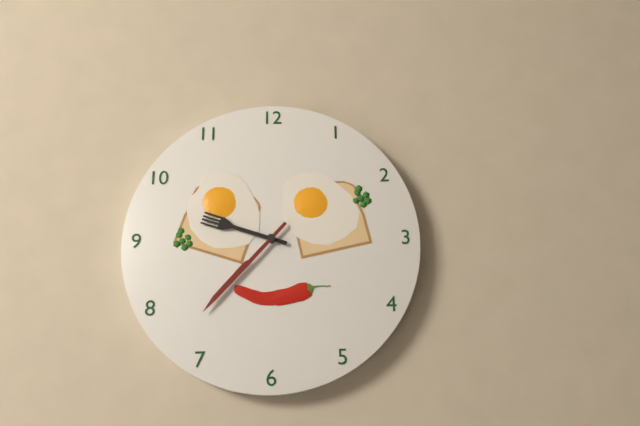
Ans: {"hour": 9, "minute": 37}
